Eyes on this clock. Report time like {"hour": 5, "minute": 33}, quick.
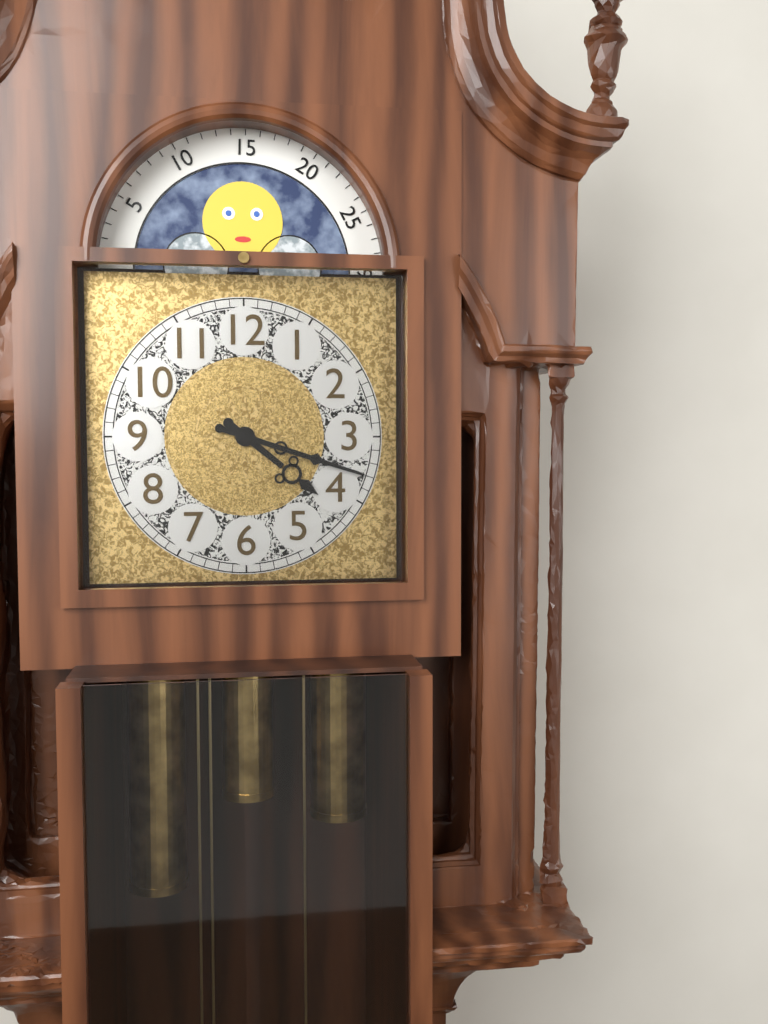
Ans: {"hour": 4, "minute": 18}
